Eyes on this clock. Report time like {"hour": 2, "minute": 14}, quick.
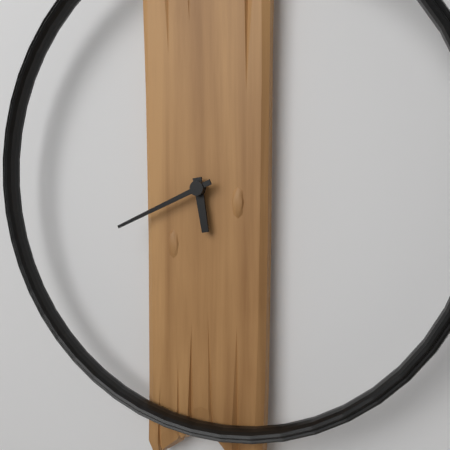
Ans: {"hour": 5, "minute": 41}
